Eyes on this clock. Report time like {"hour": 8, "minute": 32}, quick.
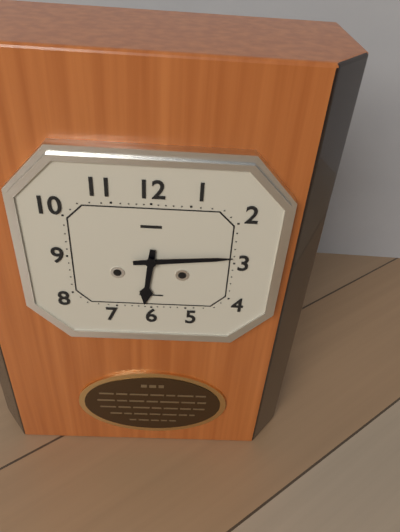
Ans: {"hour": 6, "minute": 14}
